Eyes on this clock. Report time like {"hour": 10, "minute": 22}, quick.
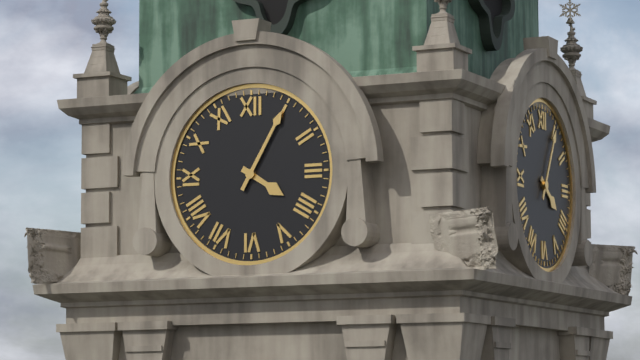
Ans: {"hour": 4, "minute": 5}
